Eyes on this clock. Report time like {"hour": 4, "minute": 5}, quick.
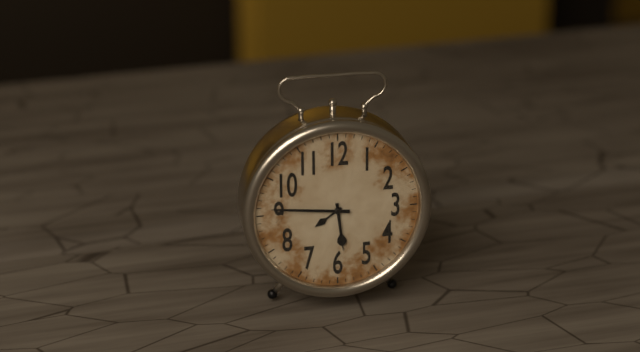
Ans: {"hour": 5, "minute": 46}
